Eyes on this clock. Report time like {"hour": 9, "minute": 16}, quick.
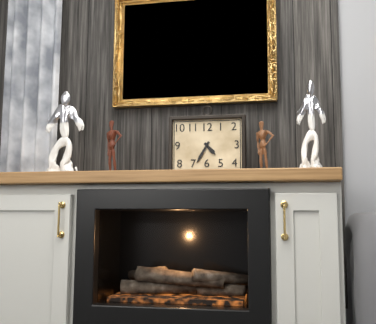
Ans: {"hour": 4, "minute": 35}
